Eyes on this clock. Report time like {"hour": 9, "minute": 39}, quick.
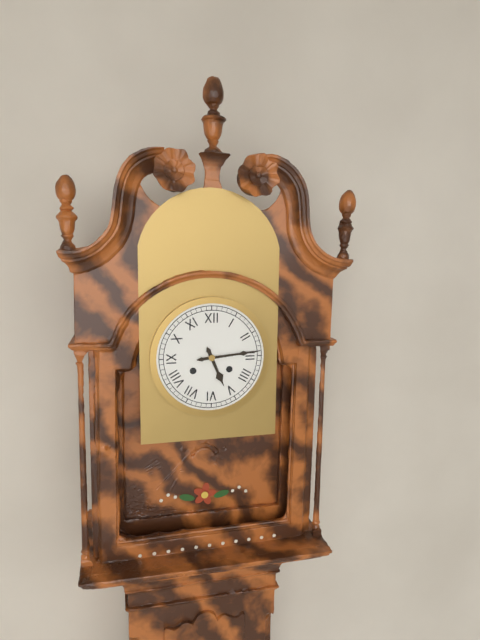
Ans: {"hour": 5, "minute": 14}
